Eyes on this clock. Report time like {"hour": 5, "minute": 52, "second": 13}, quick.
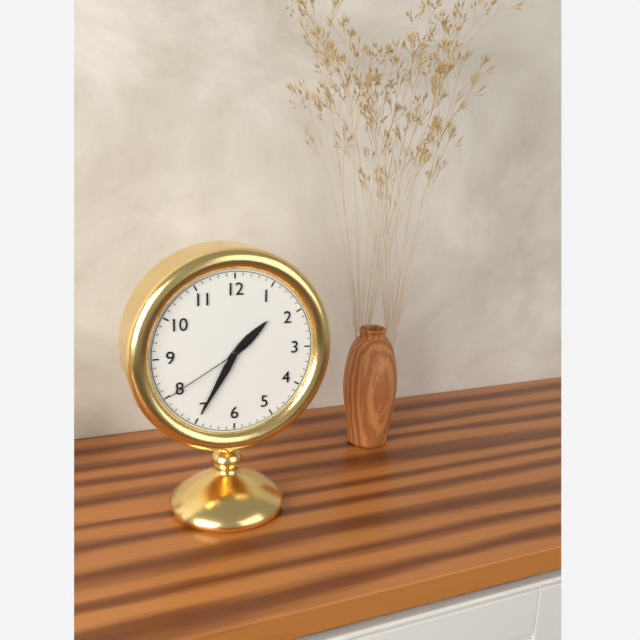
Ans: {"hour": 1, "minute": 35, "second": 40}
